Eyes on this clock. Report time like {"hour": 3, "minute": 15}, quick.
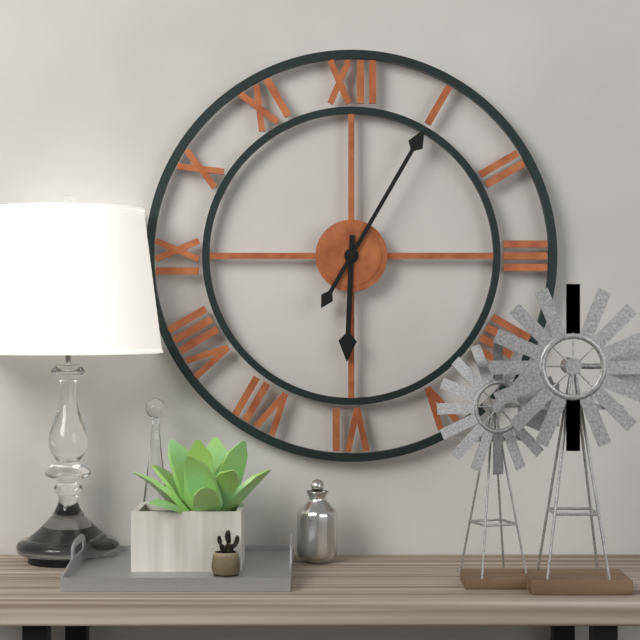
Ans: {"hour": 6, "minute": 5}
